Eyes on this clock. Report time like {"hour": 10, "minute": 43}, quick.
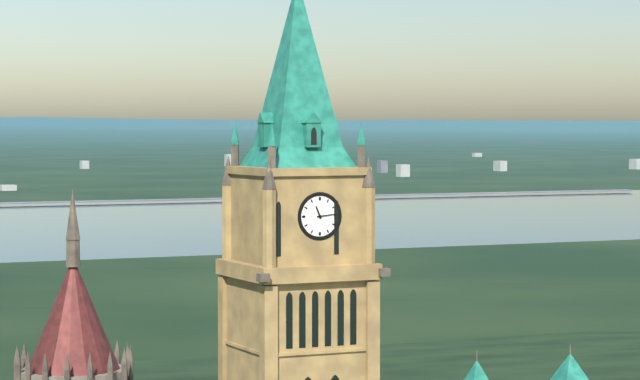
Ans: {"hour": 11, "minute": 14}
